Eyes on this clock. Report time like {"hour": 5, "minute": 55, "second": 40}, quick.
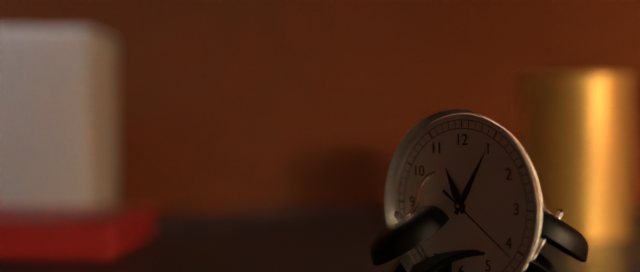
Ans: {"hour": 11, "minute": 5, "second": 21}
